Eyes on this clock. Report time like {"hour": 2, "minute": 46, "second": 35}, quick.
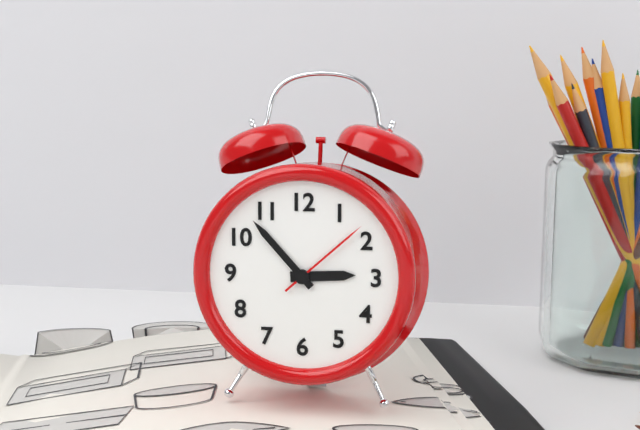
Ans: {"hour": 2, "minute": 53, "second": 8}
